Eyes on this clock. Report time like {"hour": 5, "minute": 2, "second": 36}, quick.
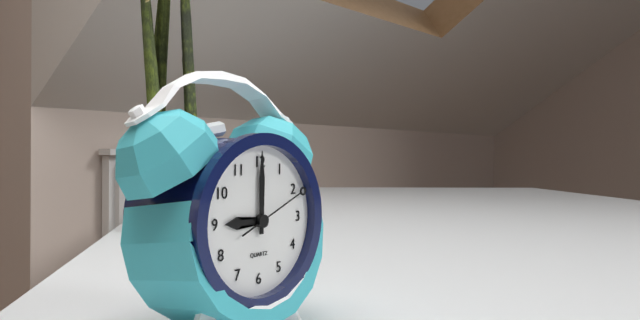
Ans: {"hour": 9, "minute": 0, "second": 11}
